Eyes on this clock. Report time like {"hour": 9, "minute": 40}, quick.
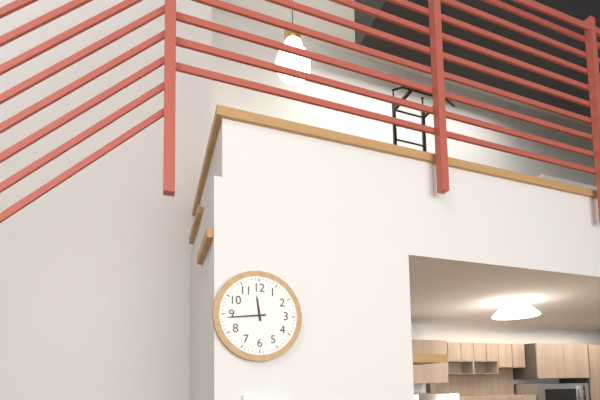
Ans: {"hour": 11, "minute": 44}
